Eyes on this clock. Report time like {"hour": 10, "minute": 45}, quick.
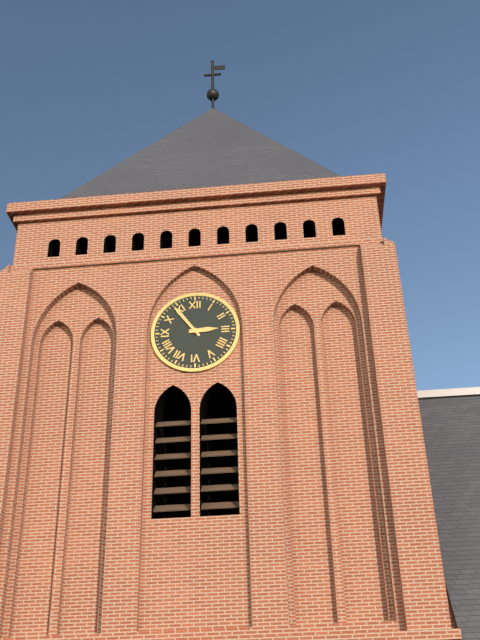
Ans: {"hour": 2, "minute": 54}
